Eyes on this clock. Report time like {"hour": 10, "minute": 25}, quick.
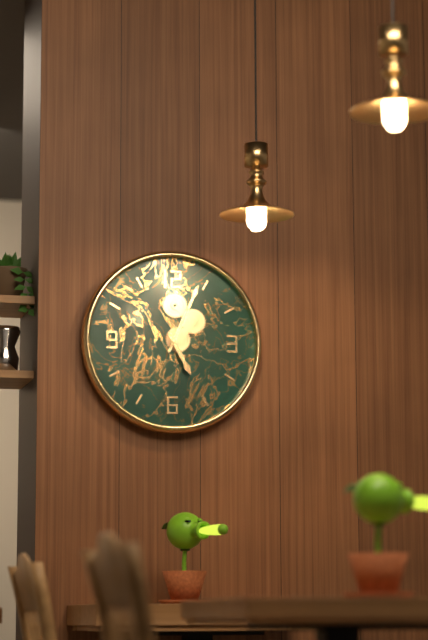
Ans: {"hour": 5, "minute": 4}
